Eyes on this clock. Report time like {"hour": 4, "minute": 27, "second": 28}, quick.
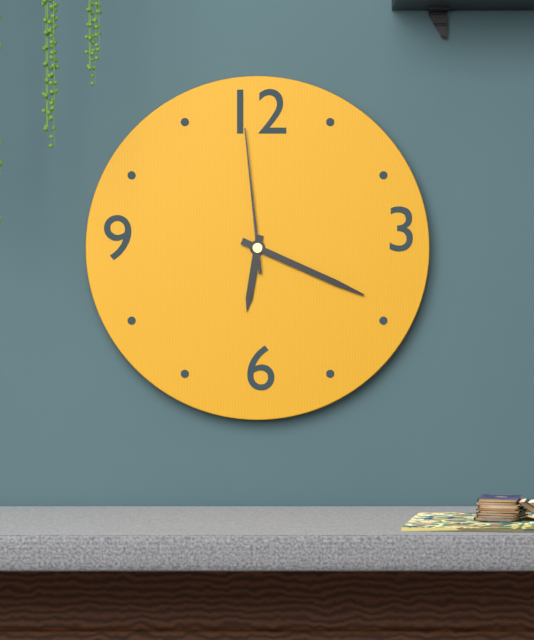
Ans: {"hour": 6, "minute": 19, "second": 59}
